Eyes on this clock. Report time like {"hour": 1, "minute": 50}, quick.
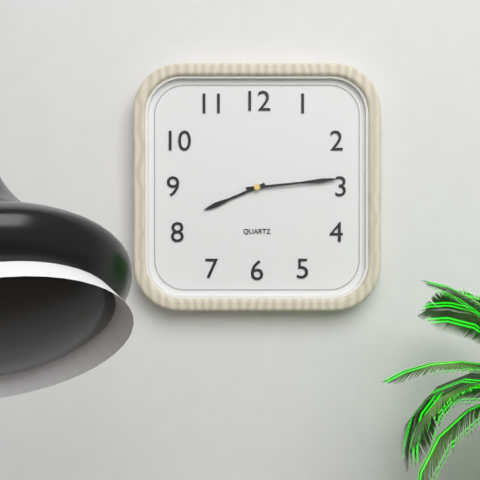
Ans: {"hour": 8, "minute": 14}
